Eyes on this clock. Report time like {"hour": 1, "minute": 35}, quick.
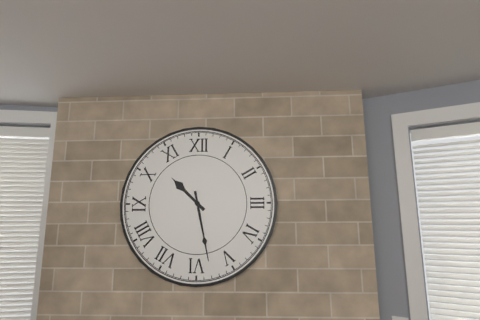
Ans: {"hour": 10, "minute": 28}
